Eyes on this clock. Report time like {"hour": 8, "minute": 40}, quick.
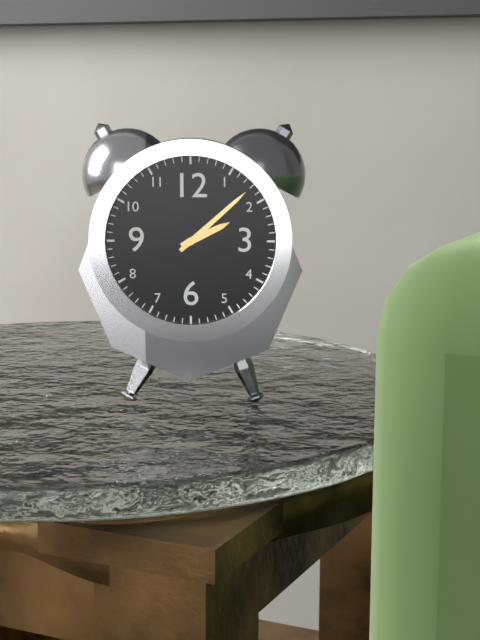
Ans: {"hour": 2, "minute": 8}
